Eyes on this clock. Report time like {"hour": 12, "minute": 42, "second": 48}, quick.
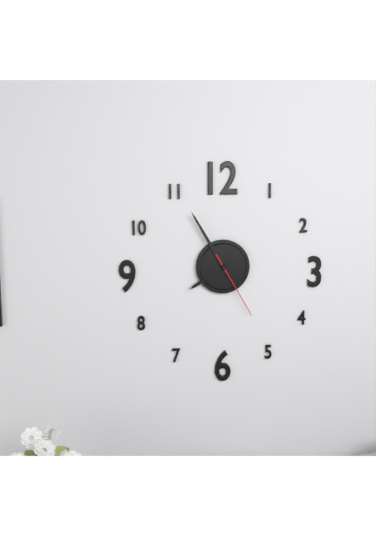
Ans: {"hour": 7, "minute": 55, "second": 25}
